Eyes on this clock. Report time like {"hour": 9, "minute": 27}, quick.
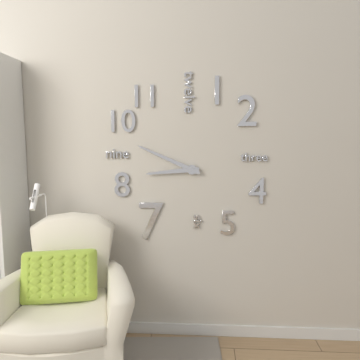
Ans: {"hour": 8, "minute": 49}
